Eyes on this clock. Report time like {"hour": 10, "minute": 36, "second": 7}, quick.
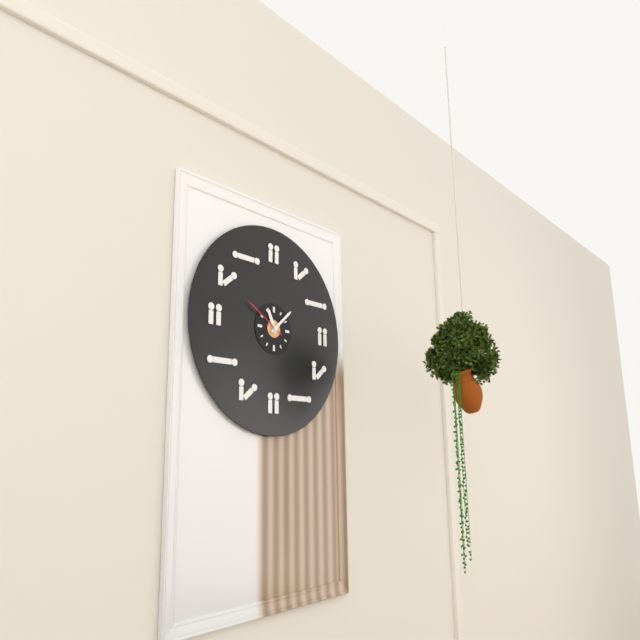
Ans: {"hour": 11, "minute": 8, "second": 50}
